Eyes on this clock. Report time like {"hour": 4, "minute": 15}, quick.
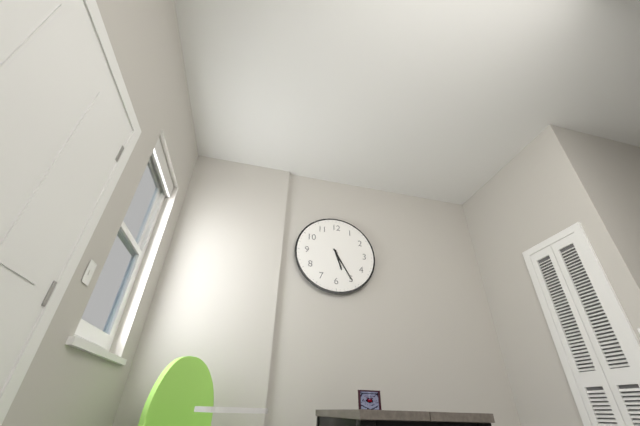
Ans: {"hour": 5, "minute": 25}
